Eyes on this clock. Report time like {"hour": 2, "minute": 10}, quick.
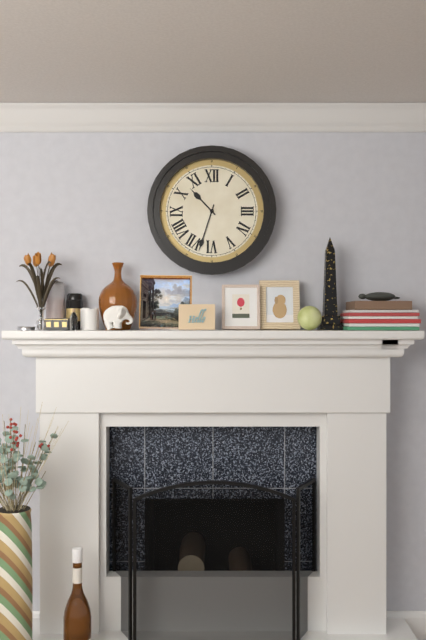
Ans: {"hour": 10, "minute": 33}
